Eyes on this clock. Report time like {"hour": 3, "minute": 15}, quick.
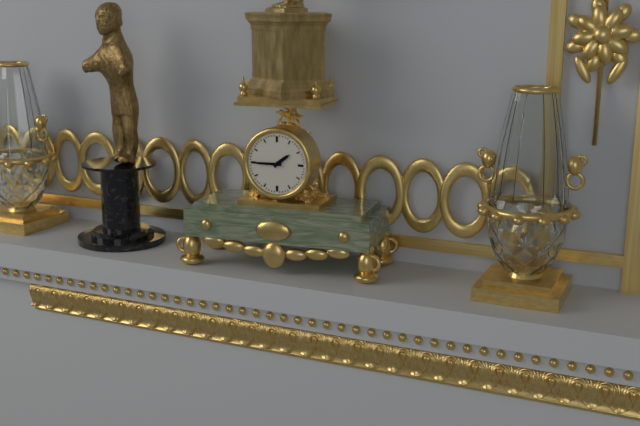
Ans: {"hour": 1, "minute": 45}
